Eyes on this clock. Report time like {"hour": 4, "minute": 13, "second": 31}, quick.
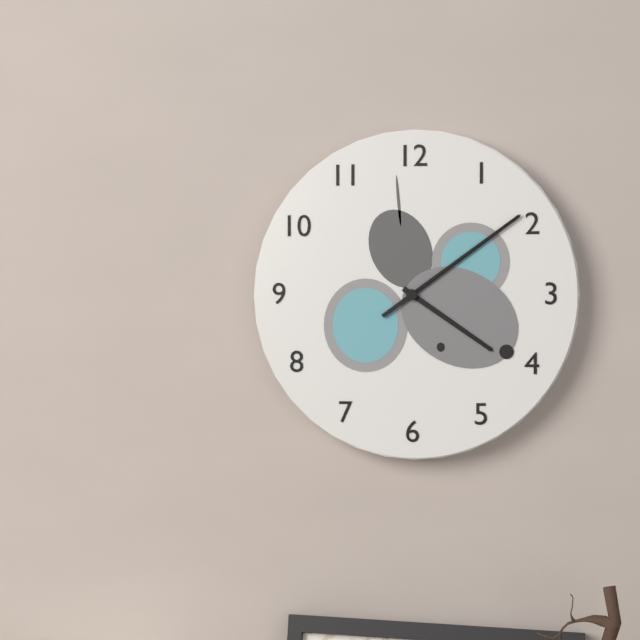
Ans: {"hour": 4, "minute": 9, "second": 9}
